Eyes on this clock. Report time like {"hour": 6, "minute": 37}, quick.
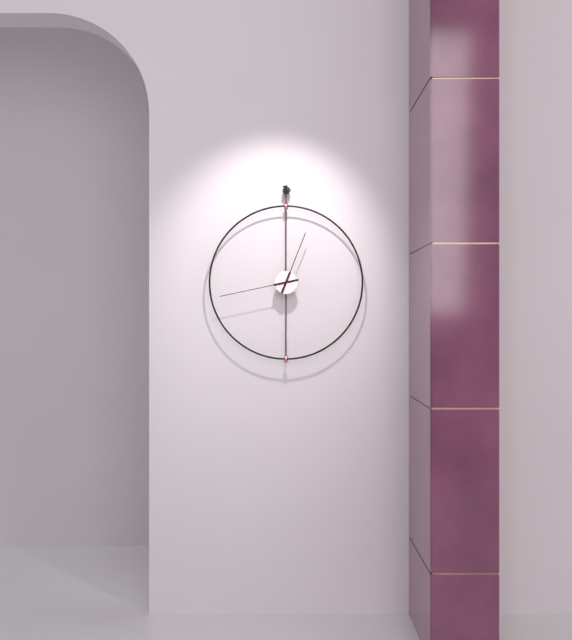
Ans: {"hour": 12, "minute": 43}
